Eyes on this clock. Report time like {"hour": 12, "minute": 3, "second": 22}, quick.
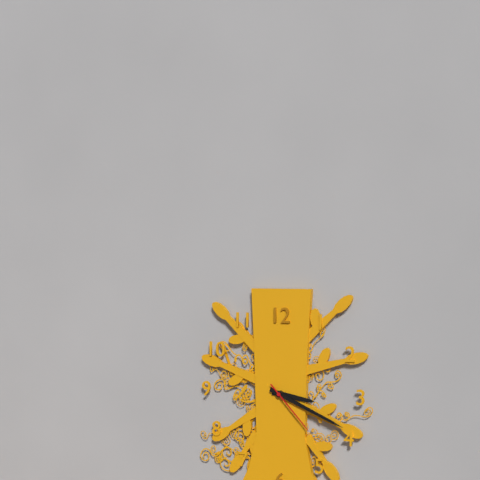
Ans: {"hour": 3, "minute": 19, "second": 23}
